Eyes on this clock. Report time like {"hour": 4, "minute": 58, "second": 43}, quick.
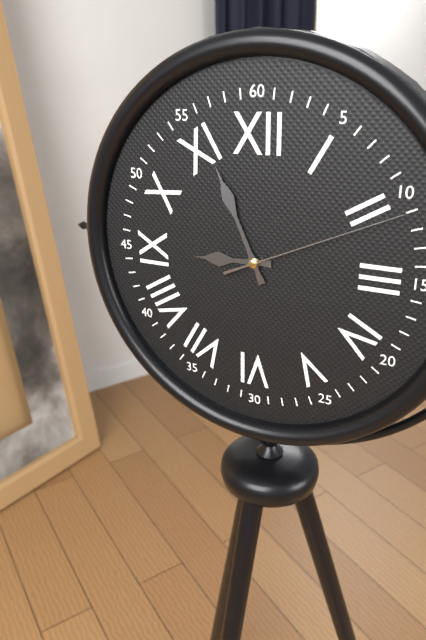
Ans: {"hour": 8, "minute": 56, "second": 11}
